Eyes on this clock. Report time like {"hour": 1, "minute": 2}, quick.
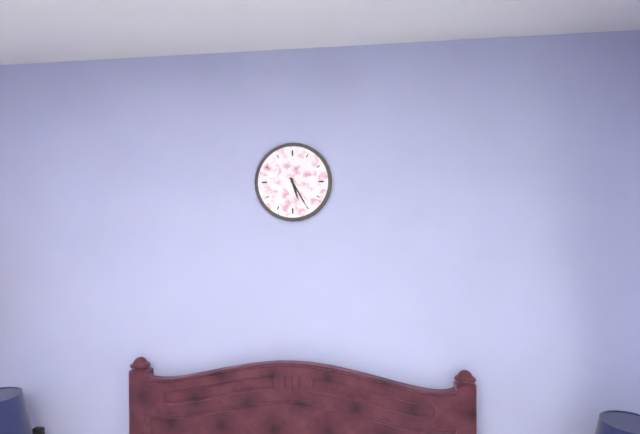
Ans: {"hour": 5, "minute": 25}
